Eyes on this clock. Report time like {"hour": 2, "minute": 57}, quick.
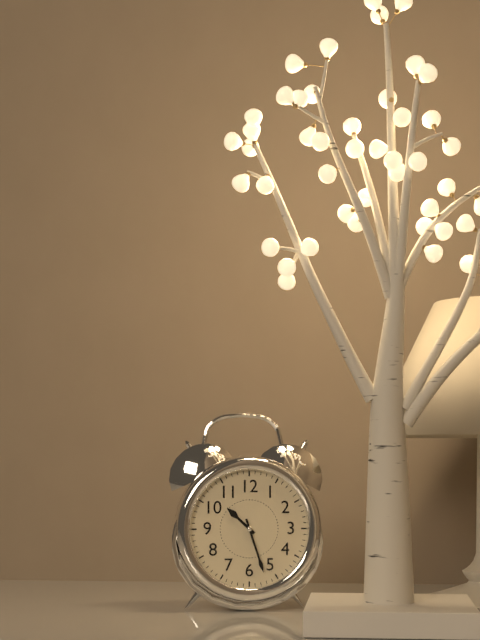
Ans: {"hour": 10, "minute": 27}
